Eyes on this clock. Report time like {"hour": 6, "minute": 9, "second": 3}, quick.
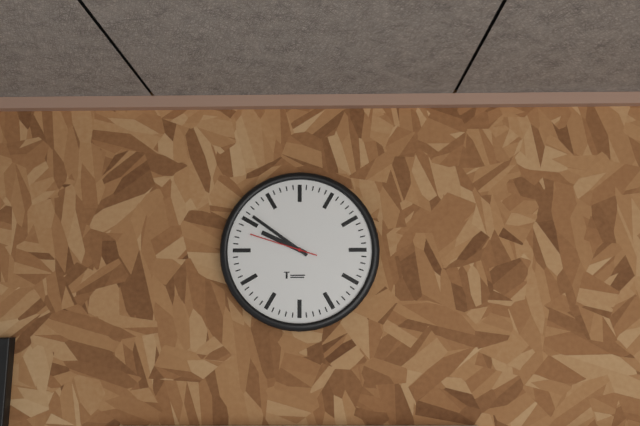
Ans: {"hour": 9, "minute": 51, "second": 48}
